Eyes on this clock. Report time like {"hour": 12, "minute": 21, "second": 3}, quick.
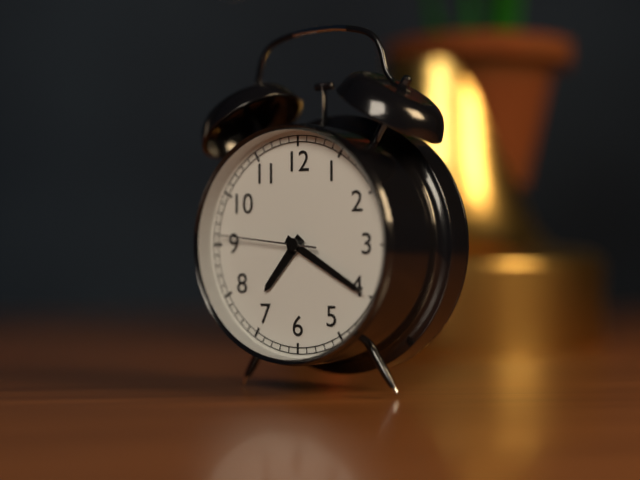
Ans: {"hour": 7, "minute": 20, "second": 46}
